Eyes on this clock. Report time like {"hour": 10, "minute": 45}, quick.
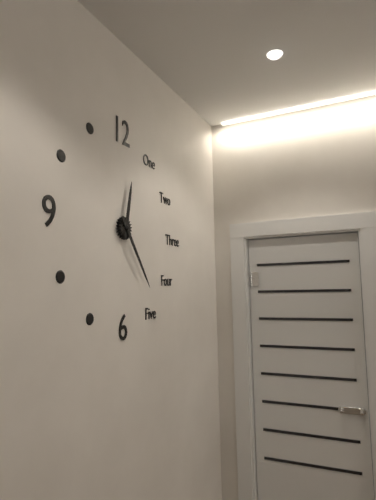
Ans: {"hour": 12, "minute": 24}
